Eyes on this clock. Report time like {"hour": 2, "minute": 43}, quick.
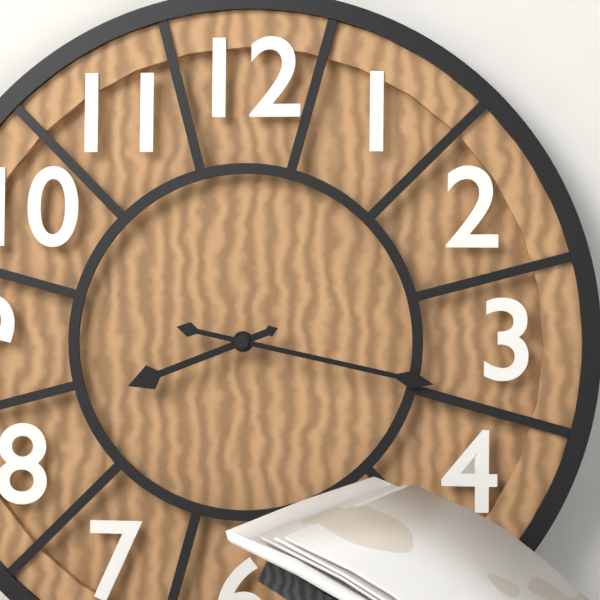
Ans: {"hour": 8, "minute": 17}
